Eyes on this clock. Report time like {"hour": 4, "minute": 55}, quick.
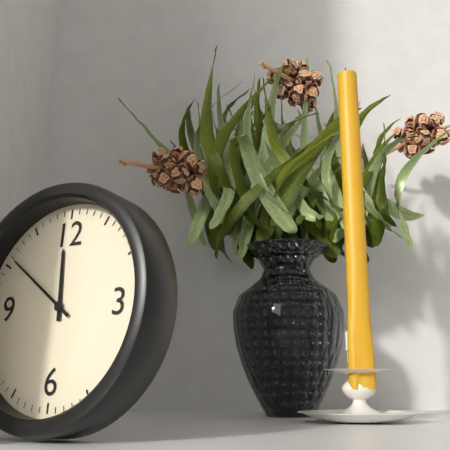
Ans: {"hour": 11, "minute": 51}
